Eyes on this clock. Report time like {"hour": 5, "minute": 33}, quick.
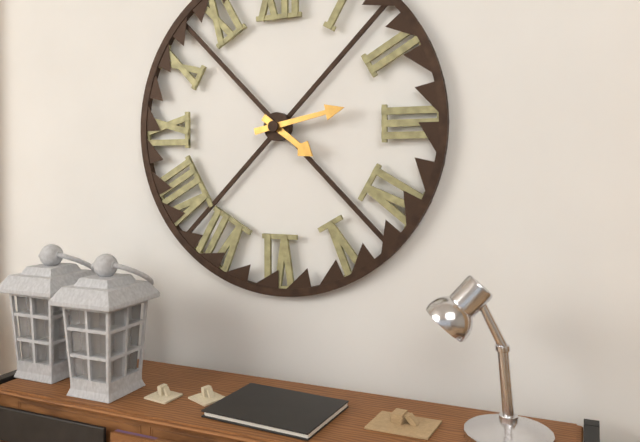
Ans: {"hour": 4, "minute": 13}
